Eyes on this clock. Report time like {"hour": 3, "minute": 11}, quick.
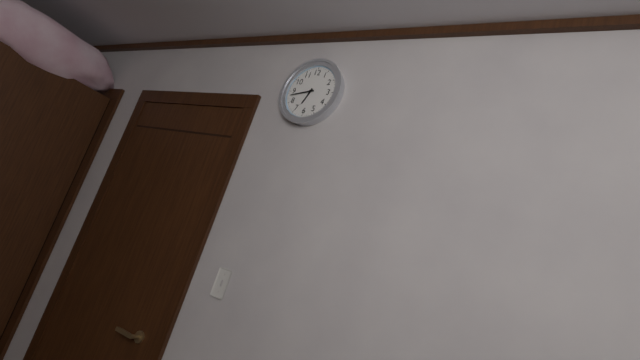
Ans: {"hour": 6, "minute": 43}
